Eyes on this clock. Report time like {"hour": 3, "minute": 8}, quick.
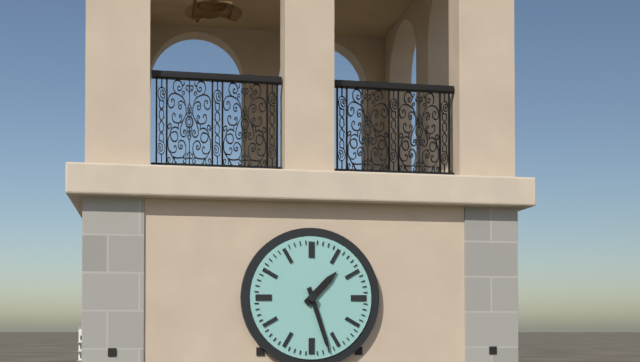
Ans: {"hour": 1, "minute": 27}
